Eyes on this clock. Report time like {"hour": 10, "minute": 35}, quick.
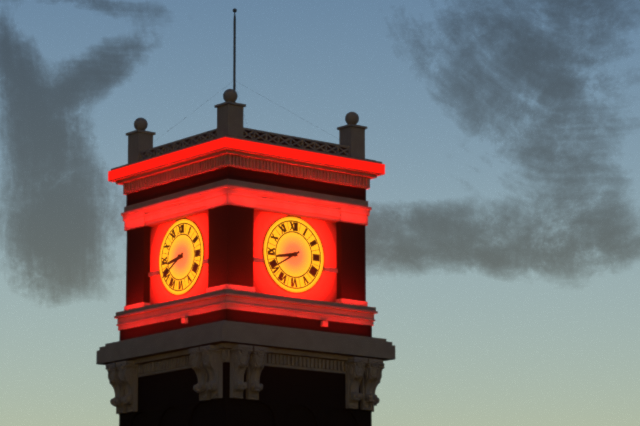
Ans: {"hour": 8, "minute": 40}
